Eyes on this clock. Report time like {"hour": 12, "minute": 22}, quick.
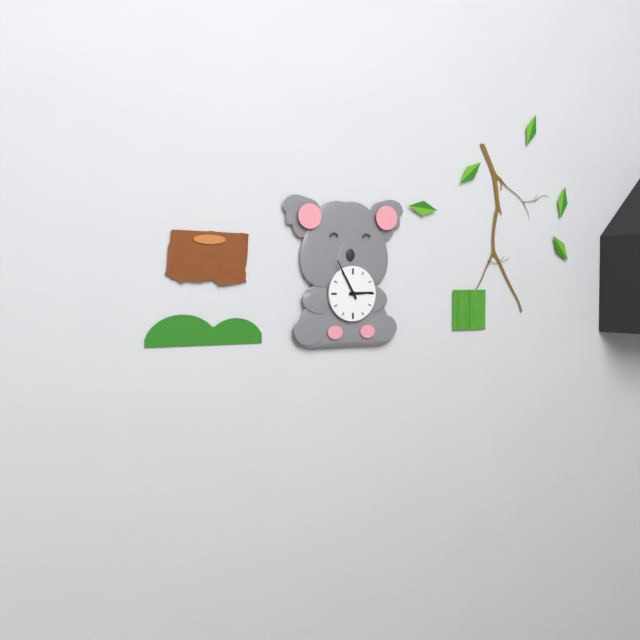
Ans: {"hour": 2, "minute": 55}
